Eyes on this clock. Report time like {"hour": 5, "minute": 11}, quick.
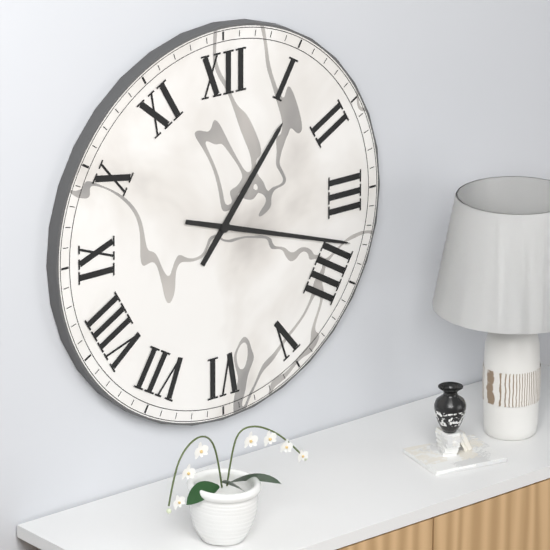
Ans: {"hour": 1, "minute": 18}
